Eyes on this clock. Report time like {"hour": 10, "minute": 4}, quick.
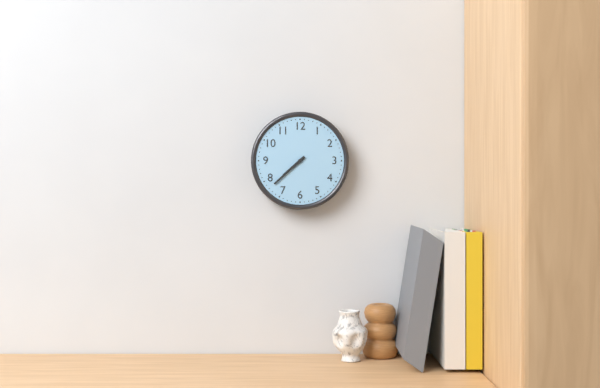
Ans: {"hour": 7, "minute": 38}
